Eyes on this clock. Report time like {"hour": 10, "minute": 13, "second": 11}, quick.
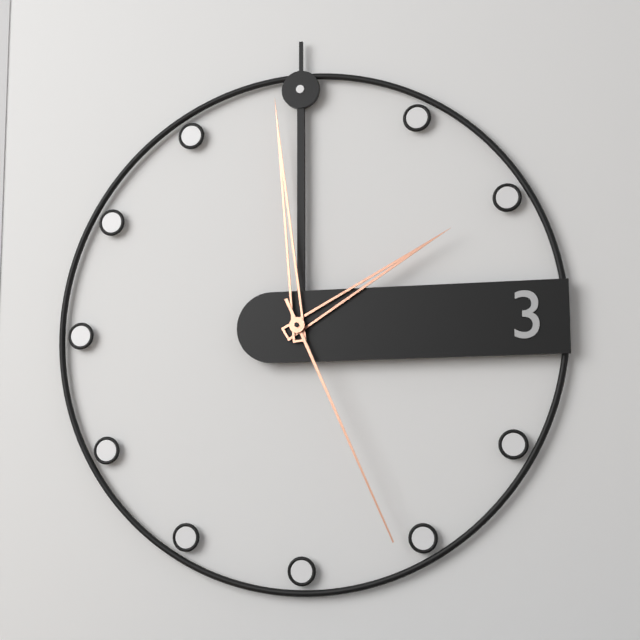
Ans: {"hour": 1, "minute": 59, "second": 26}
